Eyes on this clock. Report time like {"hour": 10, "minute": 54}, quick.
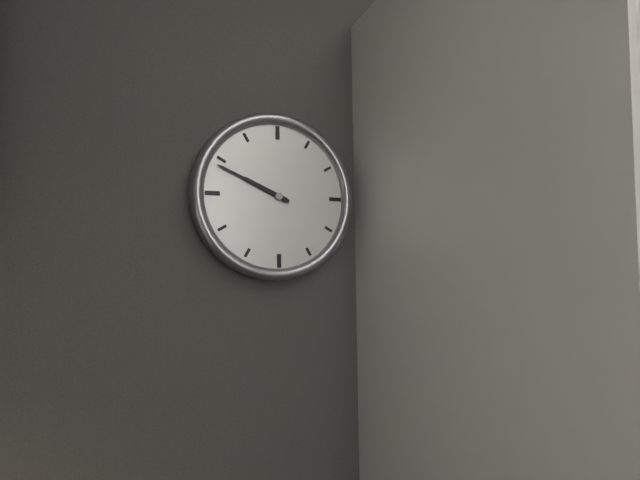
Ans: {"hour": 9, "minute": 49}
